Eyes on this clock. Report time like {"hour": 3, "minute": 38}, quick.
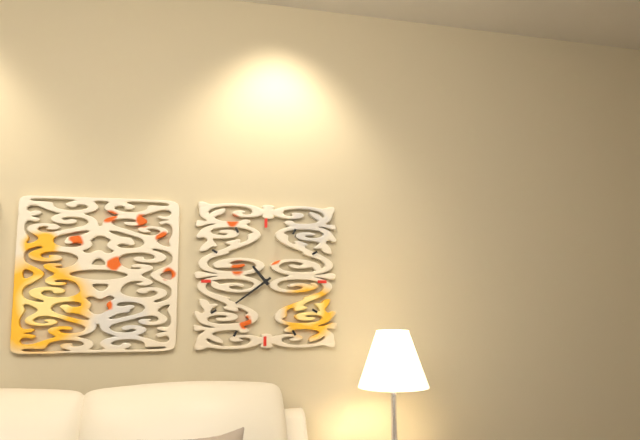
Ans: {"hour": 10, "minute": 39}
